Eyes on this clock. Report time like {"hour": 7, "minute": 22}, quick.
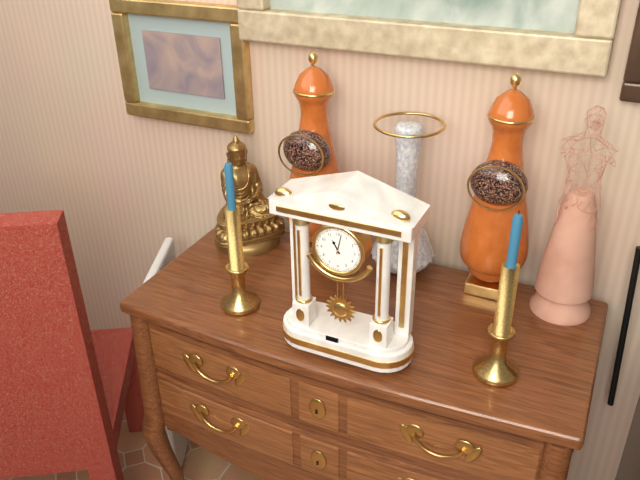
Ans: {"hour": 11, "minute": 2}
